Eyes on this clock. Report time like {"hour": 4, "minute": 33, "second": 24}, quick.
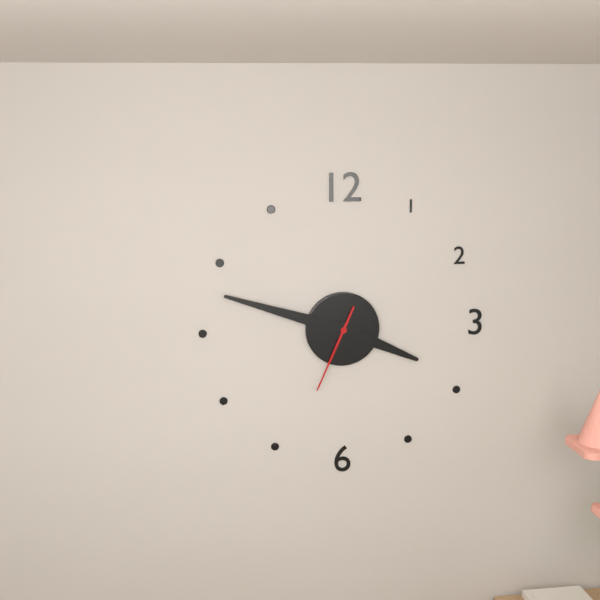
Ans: {"hour": 3, "minute": 48, "second": 34}
